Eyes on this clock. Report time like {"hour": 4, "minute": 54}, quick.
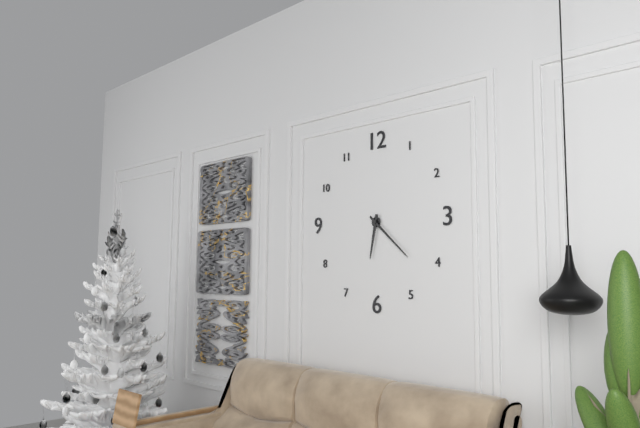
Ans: {"hour": 6, "minute": 22}
